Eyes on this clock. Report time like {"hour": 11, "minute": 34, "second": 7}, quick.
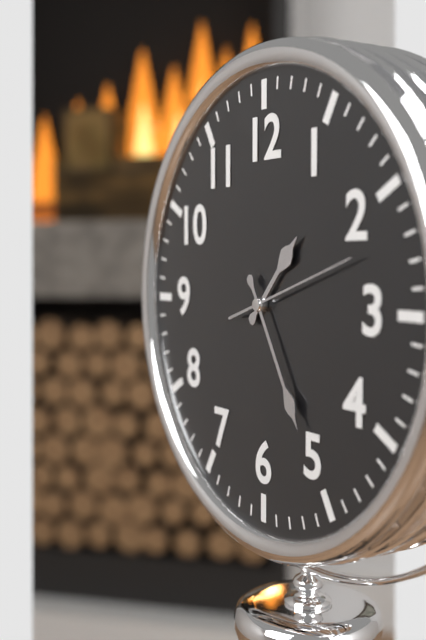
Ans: {"hour": 1, "minute": 25, "second": 12}
